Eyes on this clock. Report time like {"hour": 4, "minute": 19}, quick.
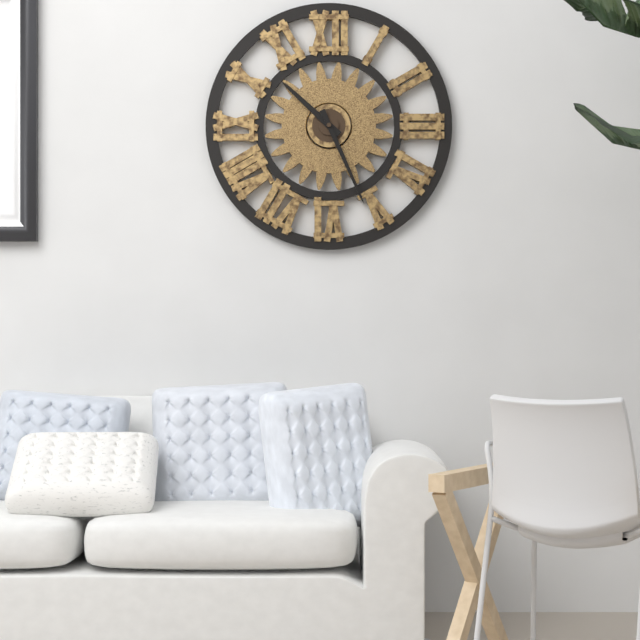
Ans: {"hour": 10, "minute": 26}
